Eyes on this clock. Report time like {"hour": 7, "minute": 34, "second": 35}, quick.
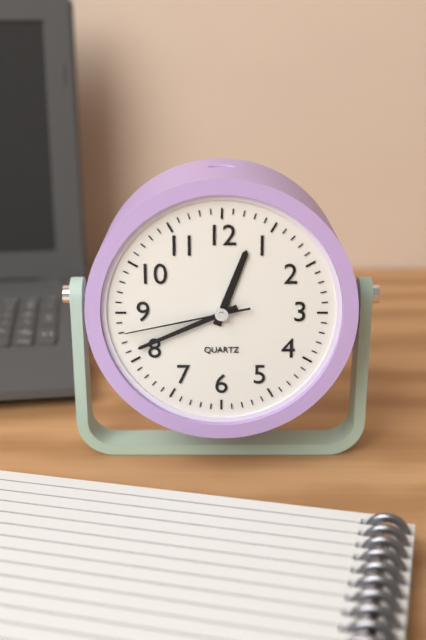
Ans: {"hour": 12, "minute": 41, "second": 43}
